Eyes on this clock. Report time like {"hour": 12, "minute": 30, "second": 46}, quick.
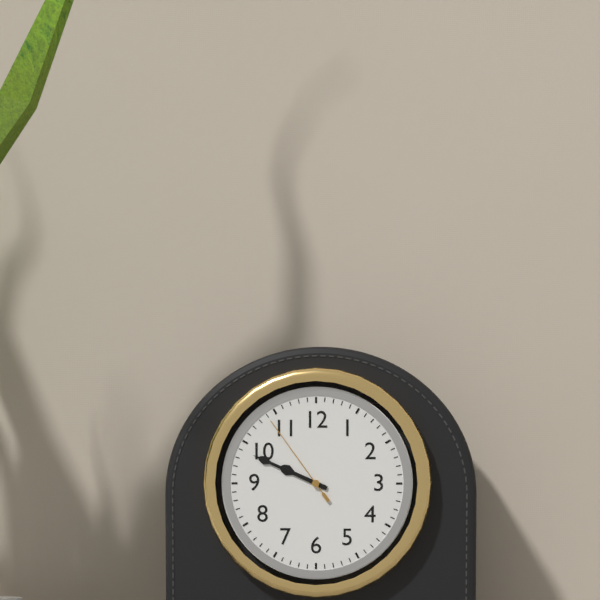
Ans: {"hour": 9, "minute": 49, "second": 54}
